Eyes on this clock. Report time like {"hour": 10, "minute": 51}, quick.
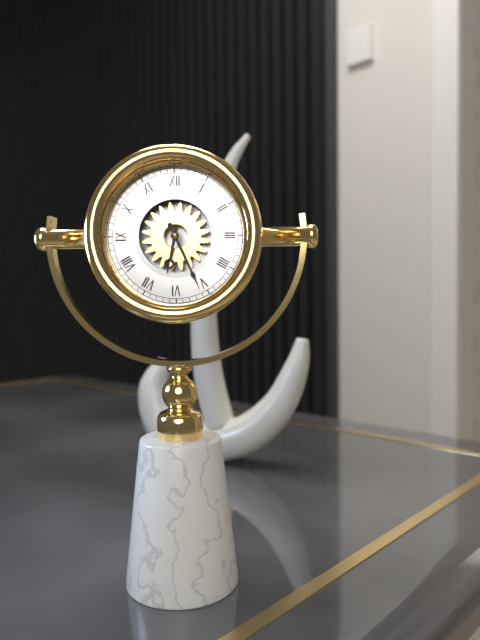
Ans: {"hour": 6, "minute": 26}
